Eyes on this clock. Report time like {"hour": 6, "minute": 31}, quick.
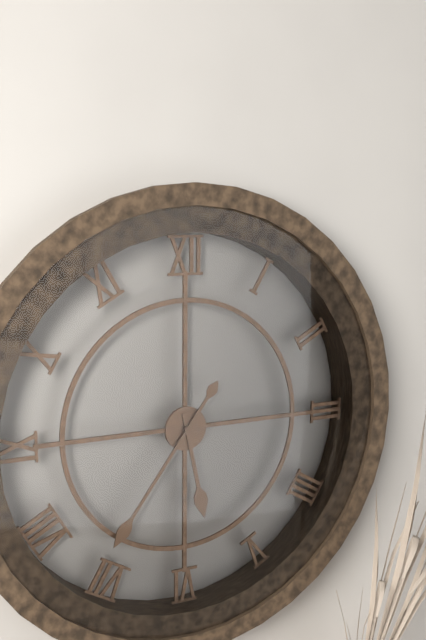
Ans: {"hour": 5, "minute": 36}
